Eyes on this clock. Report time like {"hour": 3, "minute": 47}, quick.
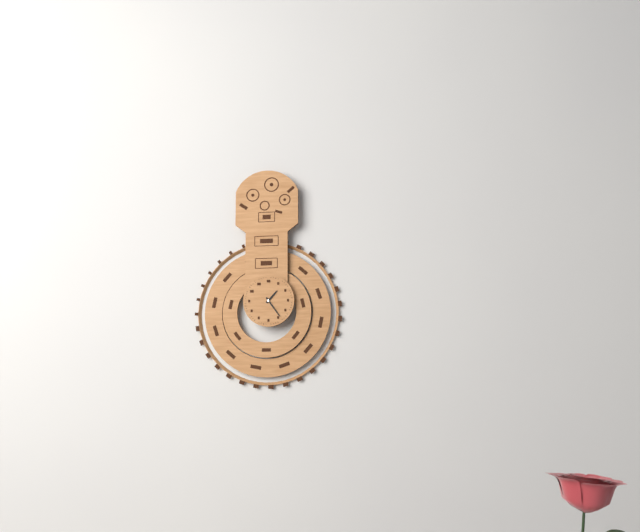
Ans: {"hour": 1, "minute": 24}
